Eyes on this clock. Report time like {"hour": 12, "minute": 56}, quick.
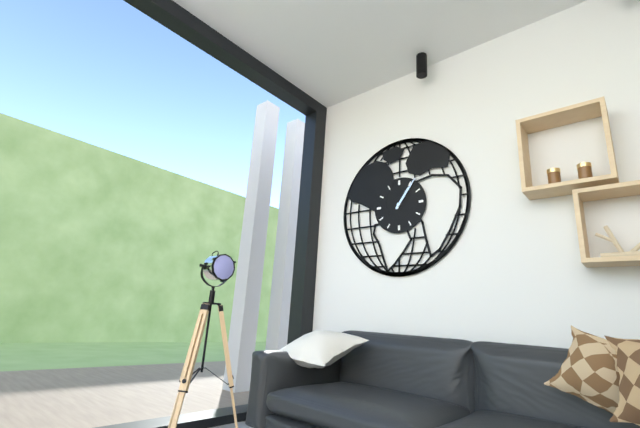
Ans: {"hour": 1, "minute": 6}
